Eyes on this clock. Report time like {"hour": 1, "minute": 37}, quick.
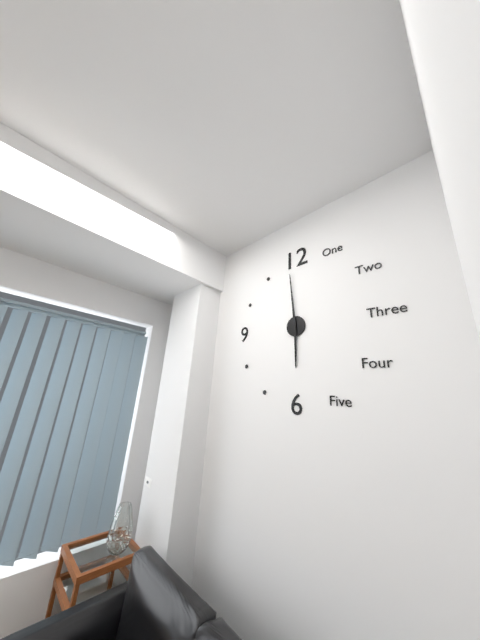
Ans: {"hour": 5, "minute": 59}
